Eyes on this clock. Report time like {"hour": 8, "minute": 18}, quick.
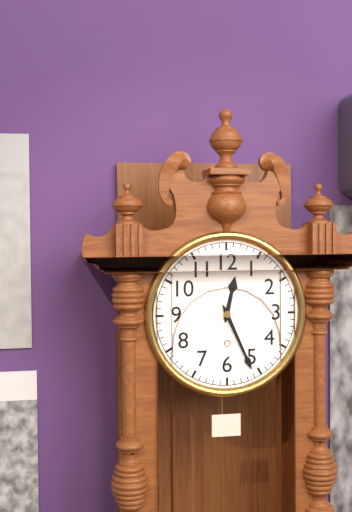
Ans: {"hour": 12, "minute": 26}
